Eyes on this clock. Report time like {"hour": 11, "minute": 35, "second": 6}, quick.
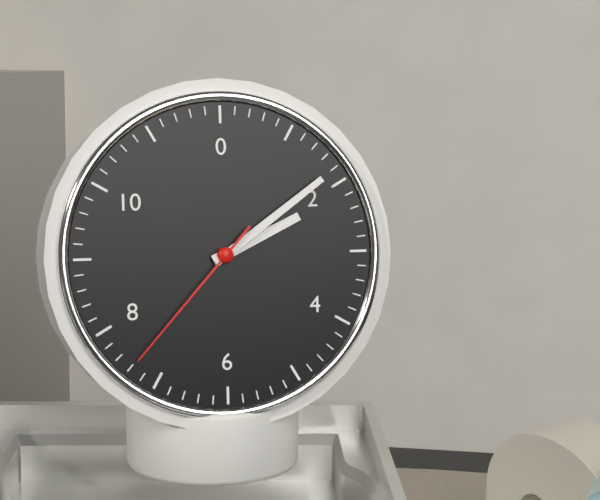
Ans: {"hour": 2, "minute": 9, "second": 37}
